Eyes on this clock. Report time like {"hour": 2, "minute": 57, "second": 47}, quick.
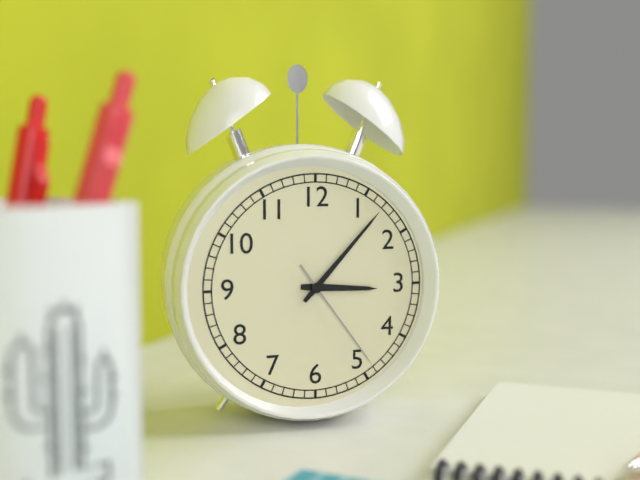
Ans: {"hour": 3, "minute": 7, "second": 24}
